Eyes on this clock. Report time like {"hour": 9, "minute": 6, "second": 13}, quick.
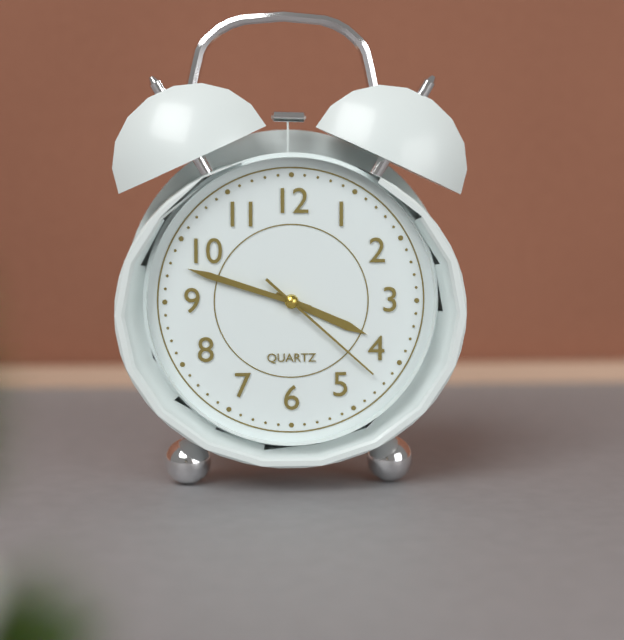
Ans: {"hour": 3, "minute": 48, "second": 22}
